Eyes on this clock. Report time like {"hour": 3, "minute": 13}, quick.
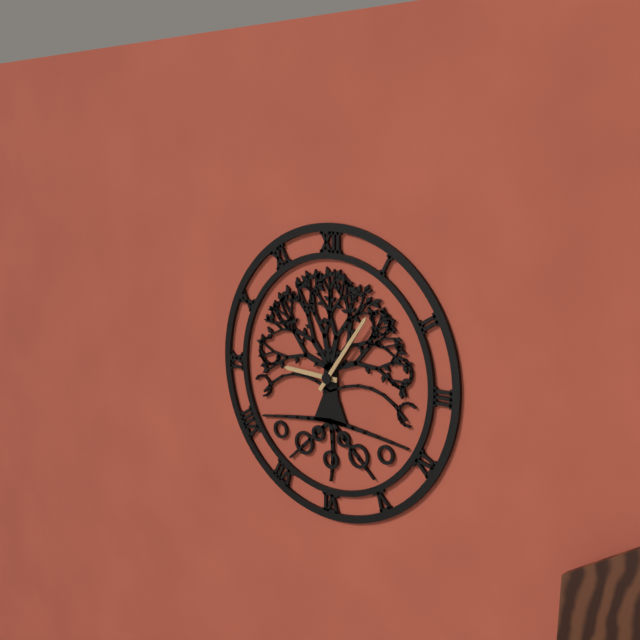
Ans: {"hour": 9, "minute": 6}
